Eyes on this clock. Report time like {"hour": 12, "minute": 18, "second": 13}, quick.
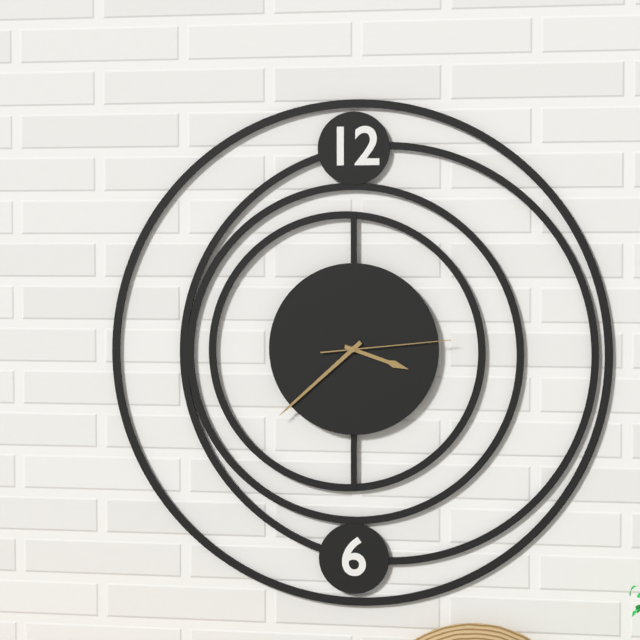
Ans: {"hour": 3, "minute": 38, "second": 14}
